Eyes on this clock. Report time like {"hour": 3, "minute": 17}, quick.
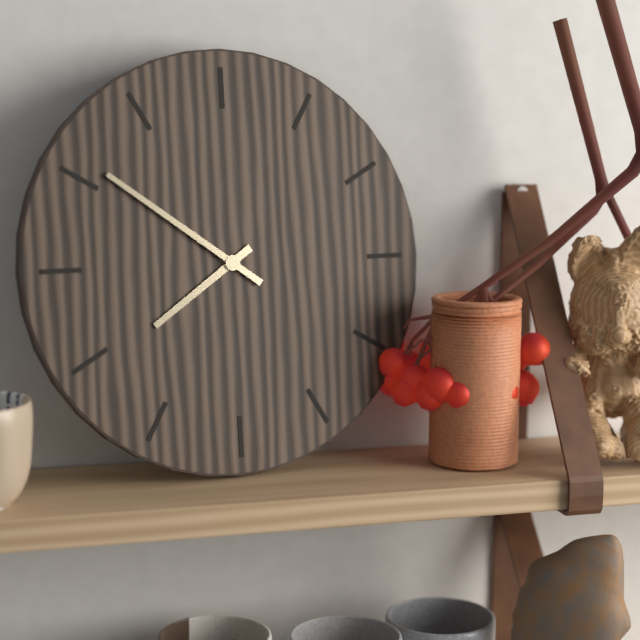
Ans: {"hour": 7, "minute": 51}
